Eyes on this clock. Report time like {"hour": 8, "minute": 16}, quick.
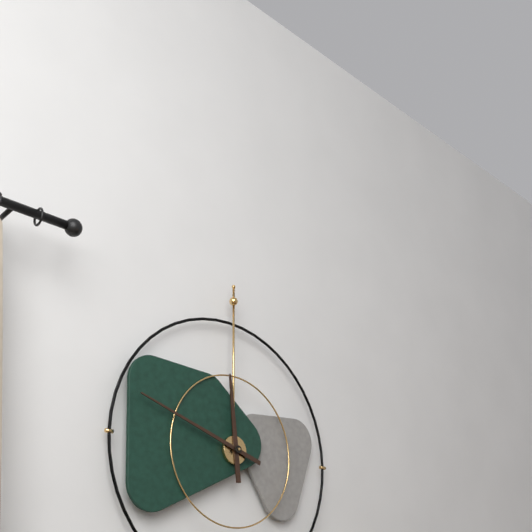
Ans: {"hour": 11, "minute": 48}
